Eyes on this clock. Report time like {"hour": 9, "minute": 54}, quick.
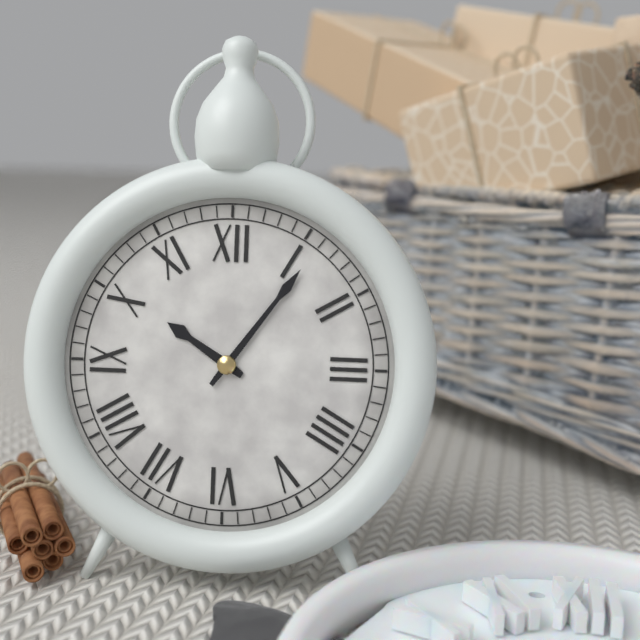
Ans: {"hour": 10, "minute": 6}
